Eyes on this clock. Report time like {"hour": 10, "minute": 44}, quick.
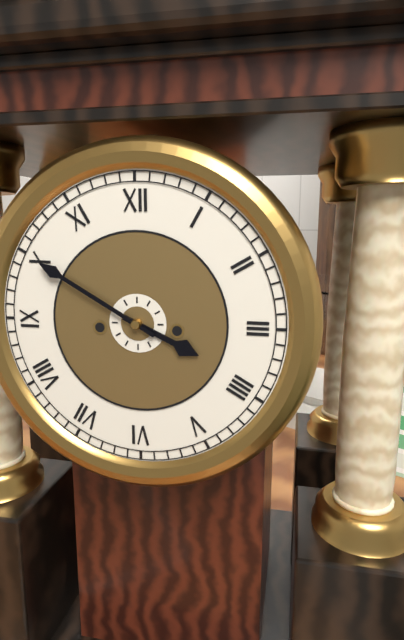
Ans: {"hour": 3, "minute": 50}
